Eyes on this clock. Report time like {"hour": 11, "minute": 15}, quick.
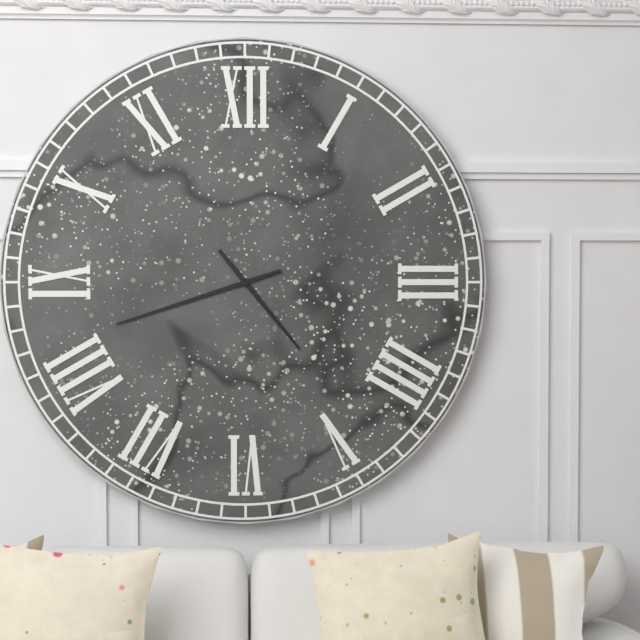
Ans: {"hour": 4, "minute": 42}
